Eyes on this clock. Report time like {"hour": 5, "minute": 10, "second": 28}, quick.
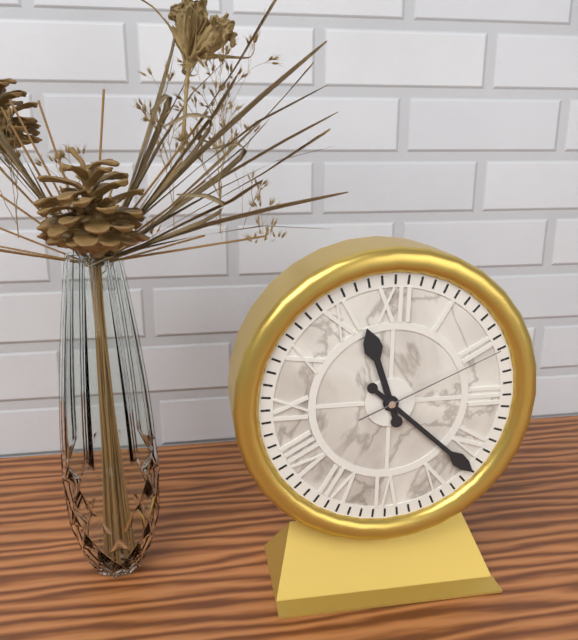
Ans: {"hour": 11, "minute": 22, "second": 11}
